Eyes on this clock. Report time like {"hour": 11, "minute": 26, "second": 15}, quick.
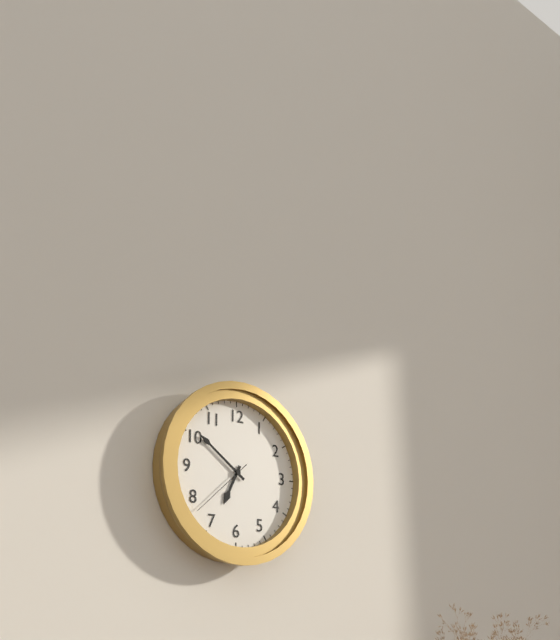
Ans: {"hour": 6, "minute": 51, "second": 38}
